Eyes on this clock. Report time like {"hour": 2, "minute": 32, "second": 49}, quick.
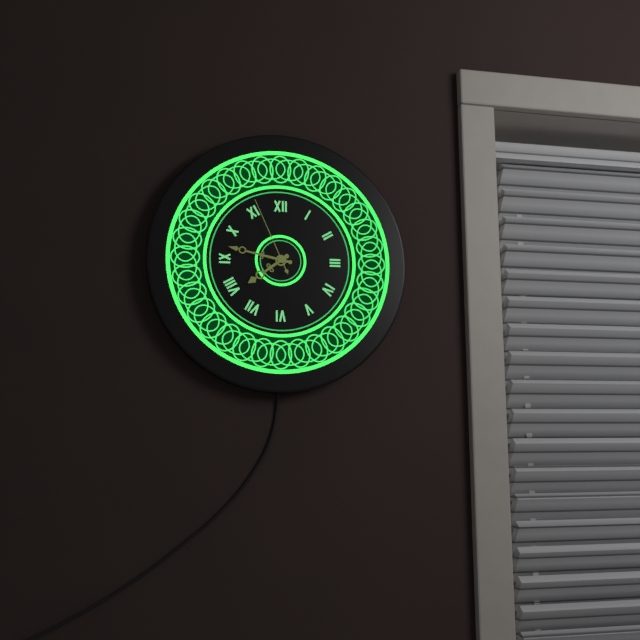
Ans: {"hour": 7, "minute": 47, "second": 56}
